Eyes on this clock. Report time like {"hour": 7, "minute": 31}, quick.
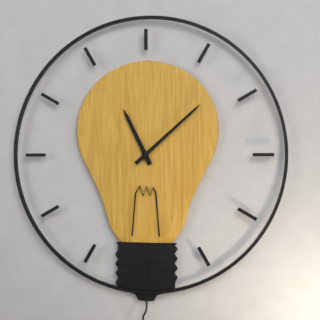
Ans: {"hour": 11, "minute": 8}
